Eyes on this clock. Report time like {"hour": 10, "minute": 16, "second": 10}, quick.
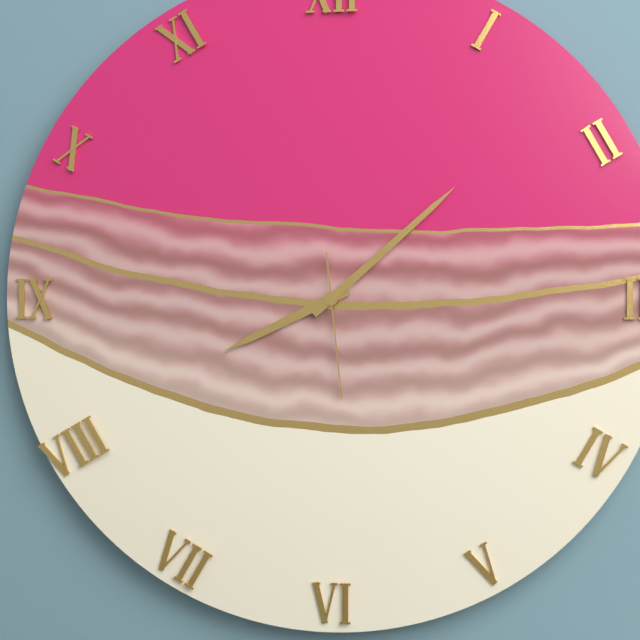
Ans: {"hour": 8, "minute": 8, "second": 29}
